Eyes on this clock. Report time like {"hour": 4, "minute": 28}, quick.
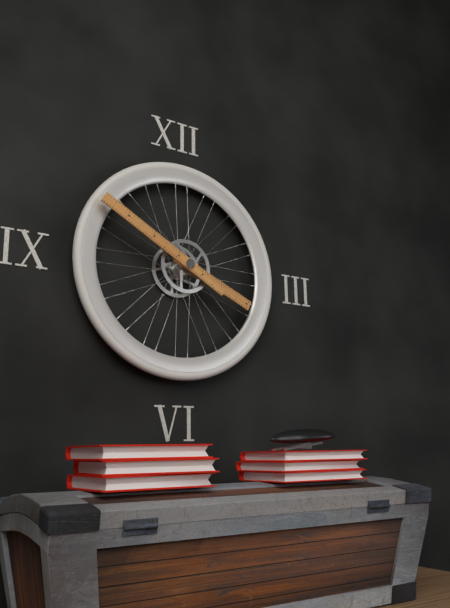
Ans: {"hour": 3, "minute": 50}
